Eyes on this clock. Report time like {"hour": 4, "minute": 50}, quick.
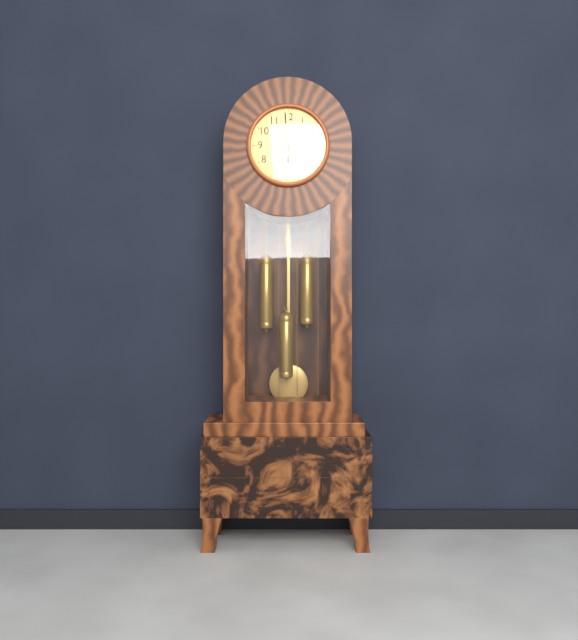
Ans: {"hour": 5, "minute": 59}
